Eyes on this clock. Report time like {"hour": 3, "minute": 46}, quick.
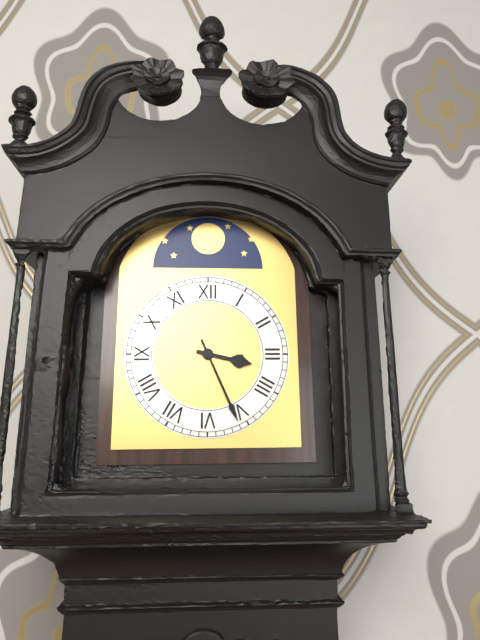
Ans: {"hour": 3, "minute": 26}
